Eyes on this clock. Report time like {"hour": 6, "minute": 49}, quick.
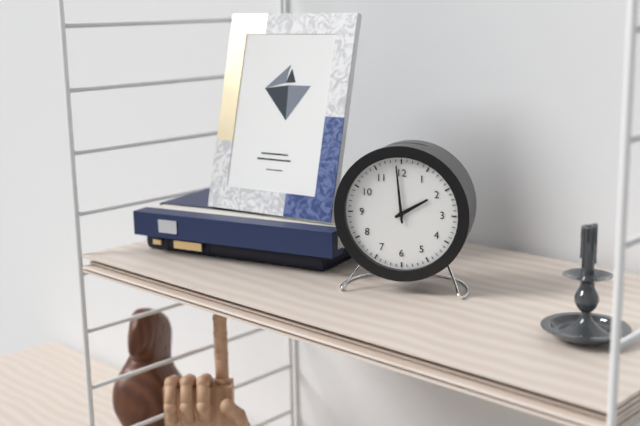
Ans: {"hour": 1, "minute": 59}
